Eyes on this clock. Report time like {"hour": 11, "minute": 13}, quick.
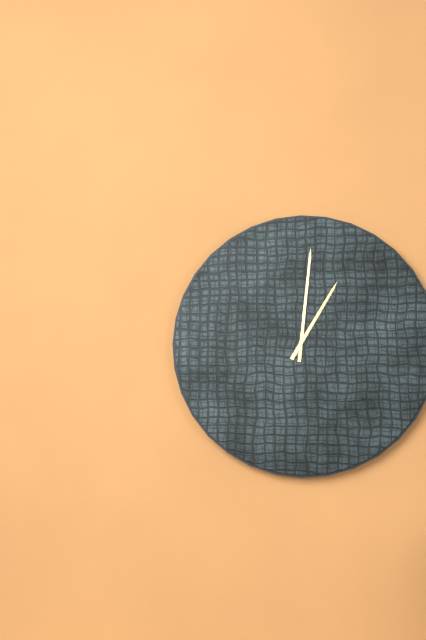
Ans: {"hour": 1, "minute": 1}
